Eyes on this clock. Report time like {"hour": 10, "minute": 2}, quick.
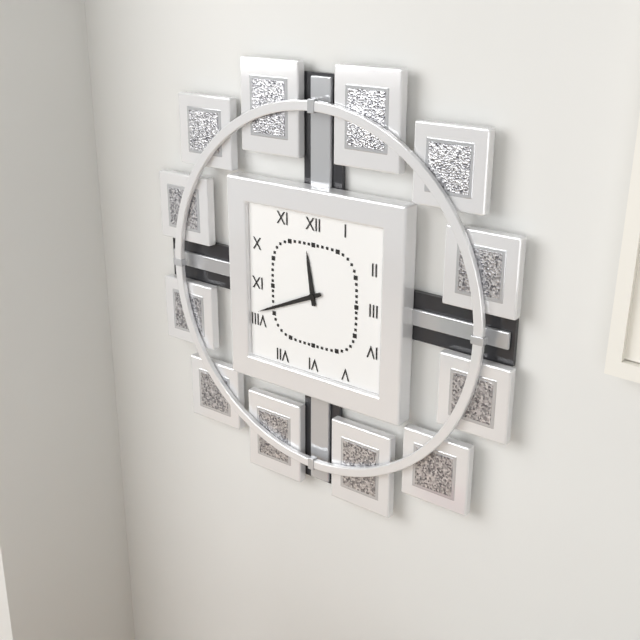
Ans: {"hour": 11, "minute": 41}
